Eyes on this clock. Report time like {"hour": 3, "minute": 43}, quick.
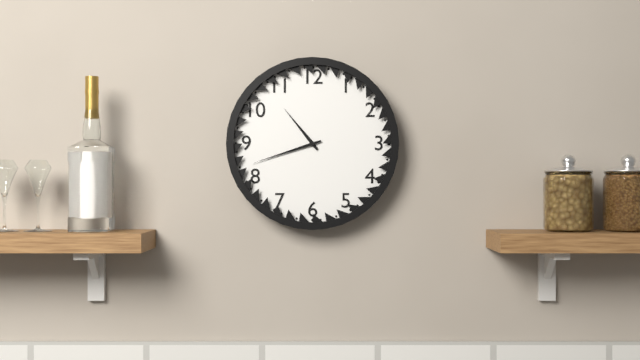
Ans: {"hour": 10, "minute": 42}
